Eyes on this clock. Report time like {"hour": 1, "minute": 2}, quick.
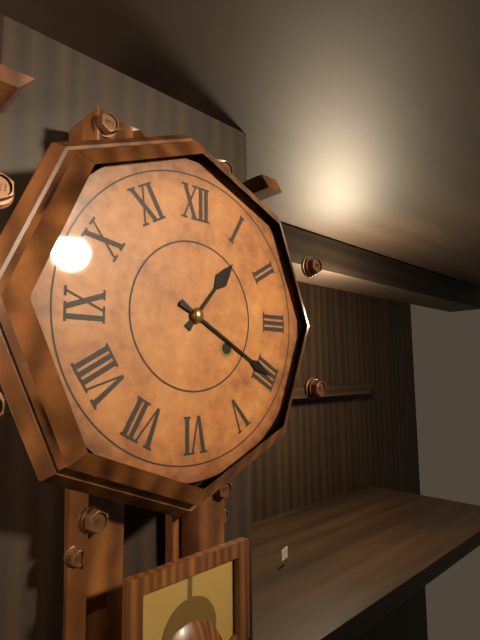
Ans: {"hour": 1, "minute": 20}
